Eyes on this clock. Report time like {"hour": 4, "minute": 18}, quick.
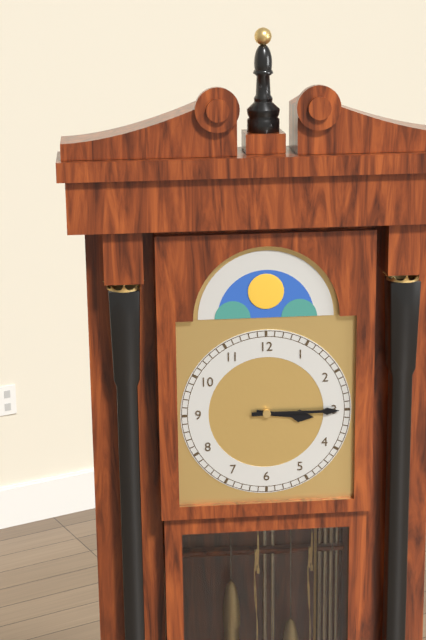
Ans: {"hour": 3, "minute": 15}
